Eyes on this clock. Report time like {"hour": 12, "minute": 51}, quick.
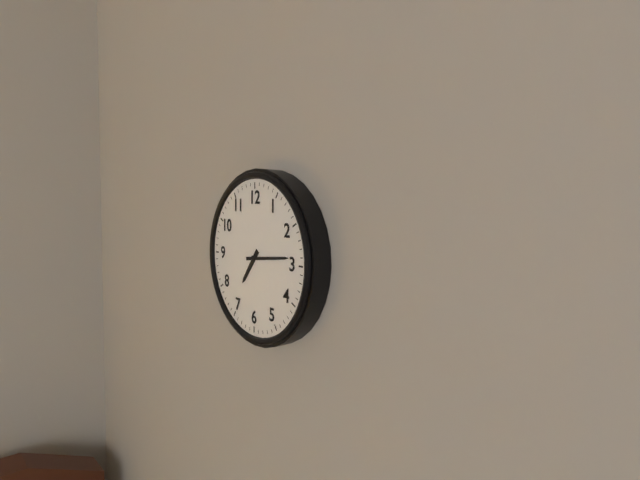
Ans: {"hour": 7, "minute": 14}
